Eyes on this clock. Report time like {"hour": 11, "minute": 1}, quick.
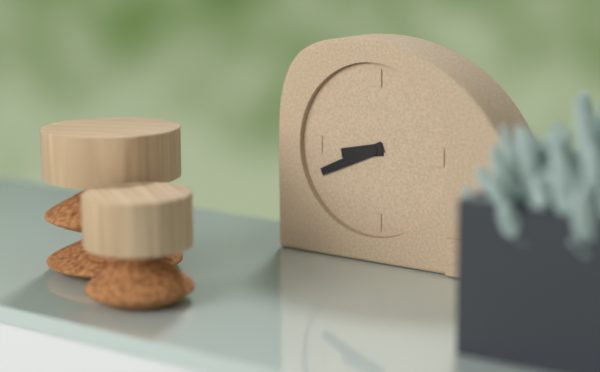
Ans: {"hour": 8, "minute": 41}
